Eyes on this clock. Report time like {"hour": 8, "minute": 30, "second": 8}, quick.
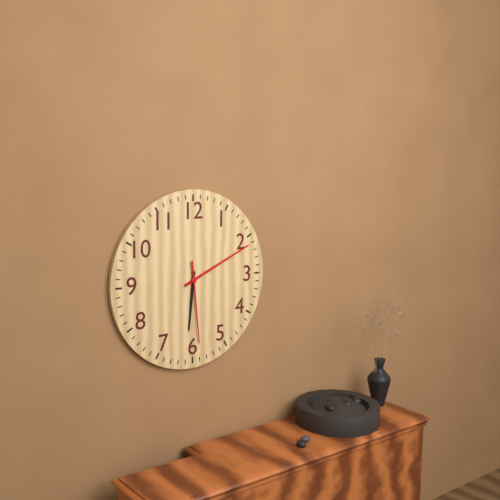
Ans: {"hour": 6, "minute": 11, "second": 29}
